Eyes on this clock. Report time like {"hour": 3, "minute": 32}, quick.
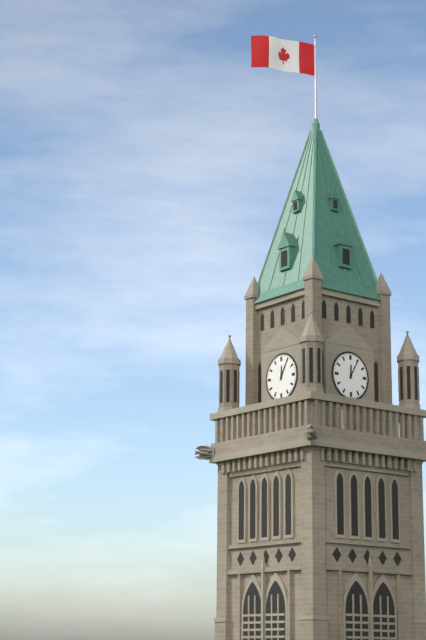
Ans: {"hour": 12, "minute": 5}
